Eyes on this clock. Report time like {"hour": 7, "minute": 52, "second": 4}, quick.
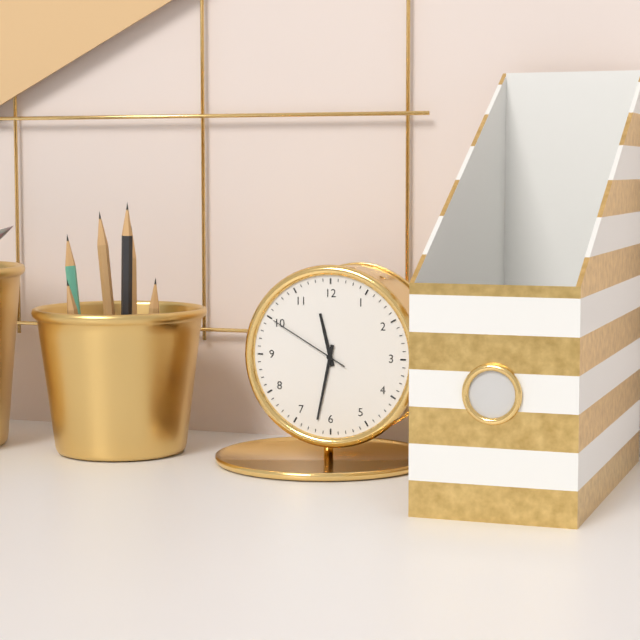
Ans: {"hour": 11, "minute": 32, "second": 50}
